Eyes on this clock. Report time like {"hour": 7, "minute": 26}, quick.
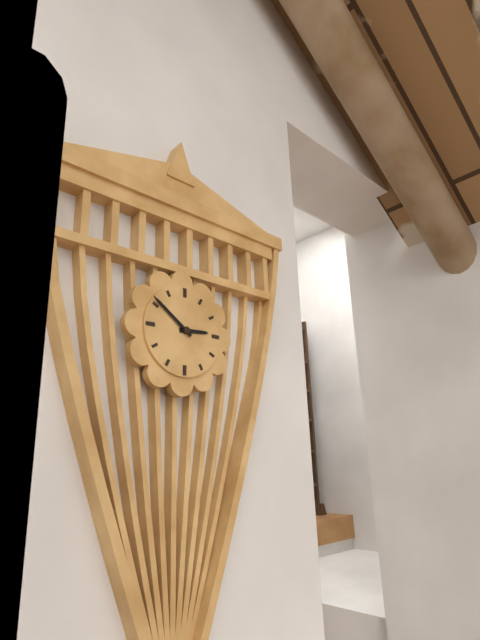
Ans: {"hour": 2, "minute": 51}
